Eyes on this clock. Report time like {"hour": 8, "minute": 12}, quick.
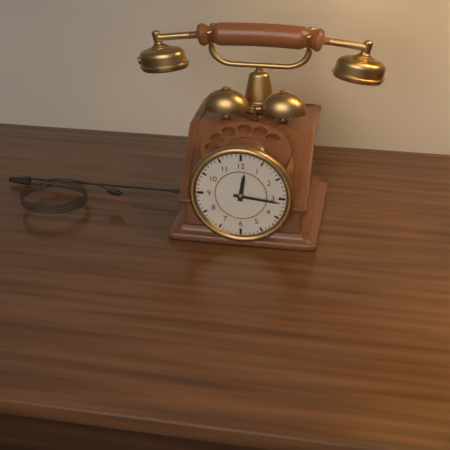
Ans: {"hour": 12, "minute": 16}
